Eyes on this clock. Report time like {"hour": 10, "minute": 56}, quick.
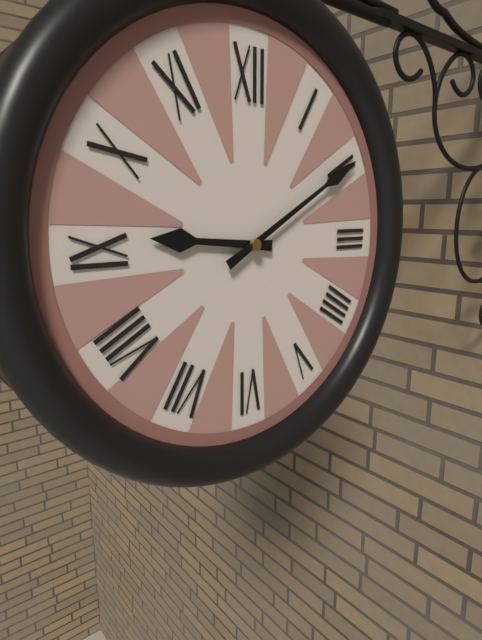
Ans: {"hour": 9, "minute": 10}
